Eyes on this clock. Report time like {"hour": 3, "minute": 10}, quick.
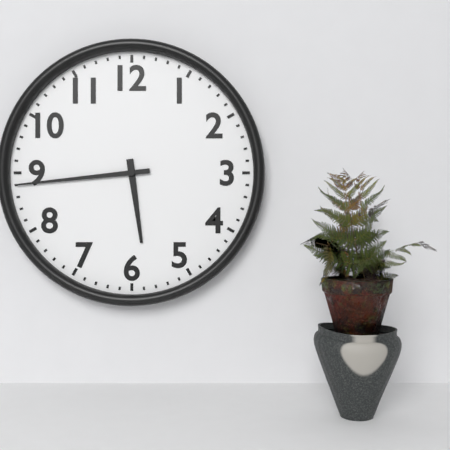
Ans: {"hour": 5, "minute": 44}
